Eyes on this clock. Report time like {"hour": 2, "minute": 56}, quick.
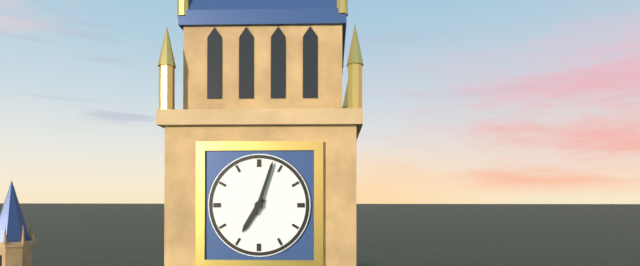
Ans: {"hour": 7, "minute": 3}
